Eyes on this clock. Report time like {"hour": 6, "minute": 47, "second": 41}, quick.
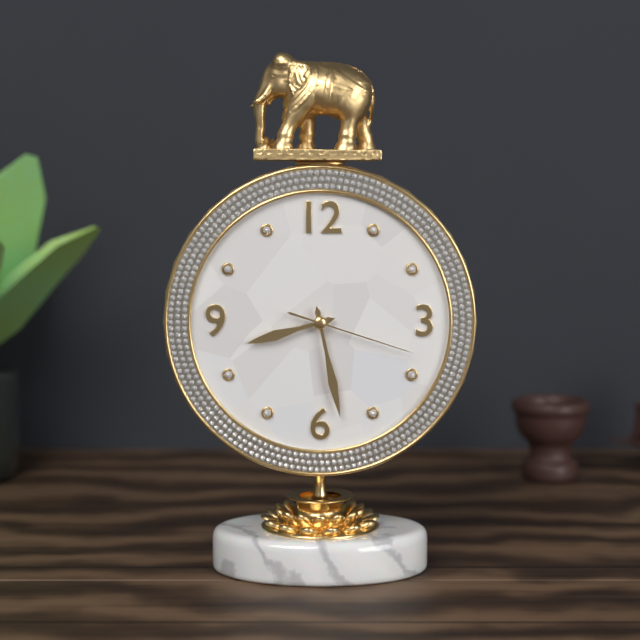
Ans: {"hour": 8, "minute": 28, "second": 18}
